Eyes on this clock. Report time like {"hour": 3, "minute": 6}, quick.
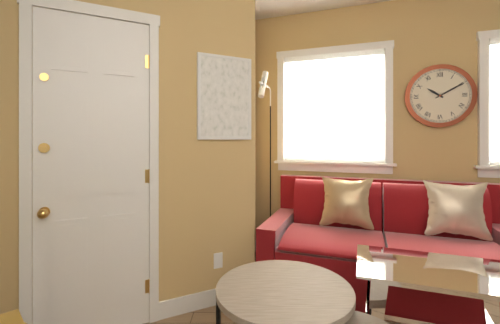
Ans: {"hour": 10, "minute": 10}
